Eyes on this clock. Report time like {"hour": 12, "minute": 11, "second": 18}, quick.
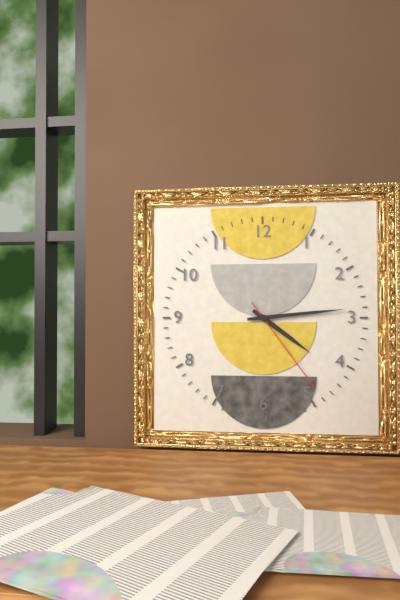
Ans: {"hour": 4, "minute": 14, "second": 24}
